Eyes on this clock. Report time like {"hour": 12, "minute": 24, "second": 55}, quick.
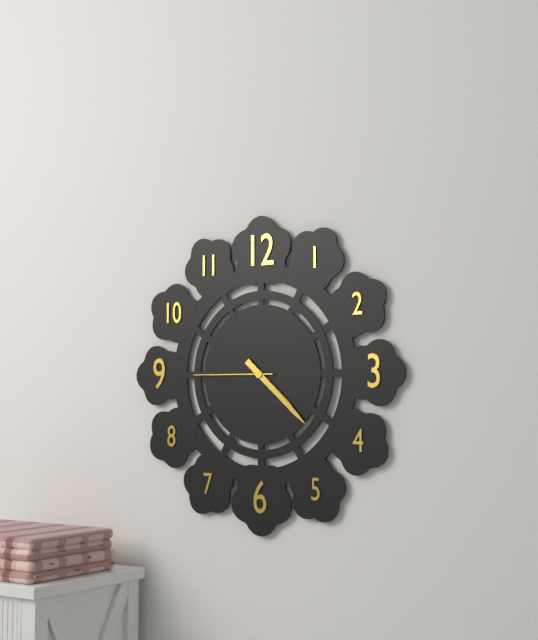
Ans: {"hour": 4, "minute": 22, "second": 45}
